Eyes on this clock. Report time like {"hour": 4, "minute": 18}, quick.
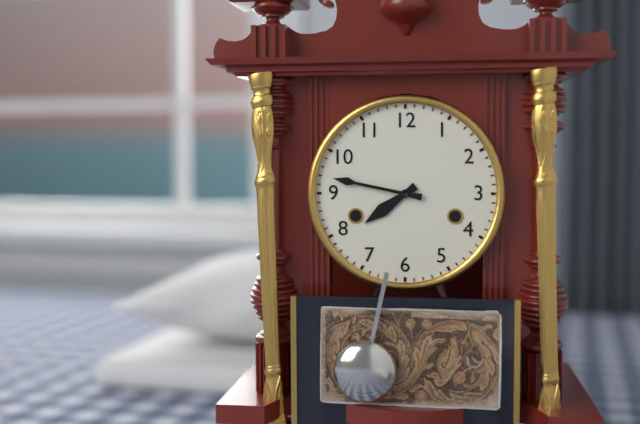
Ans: {"hour": 7, "minute": 47}
